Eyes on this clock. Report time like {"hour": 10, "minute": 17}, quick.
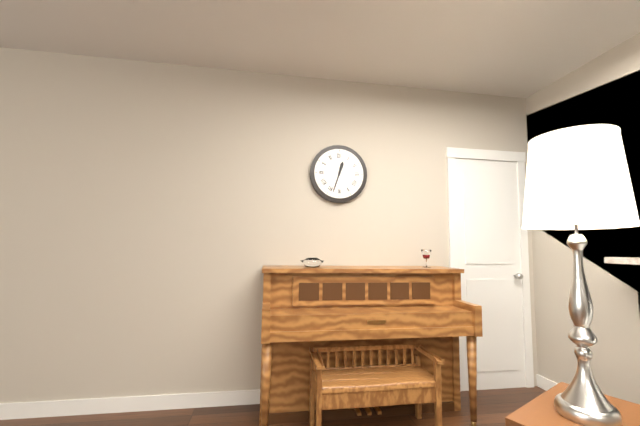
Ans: {"hour": 12, "minute": 33}
